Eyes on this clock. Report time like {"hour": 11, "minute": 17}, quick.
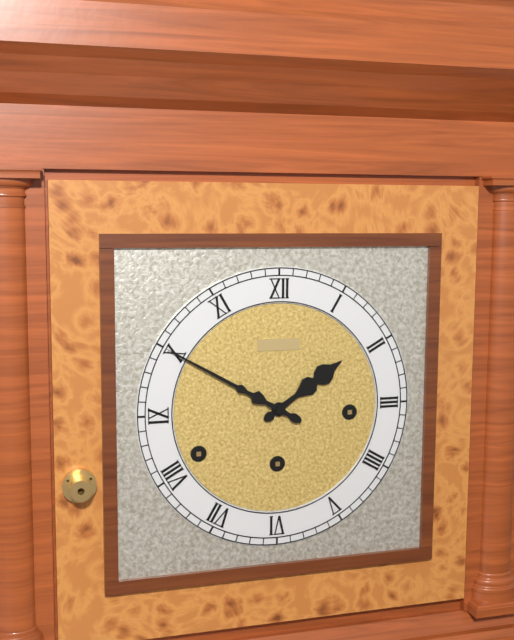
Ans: {"hour": 1, "minute": 50}
